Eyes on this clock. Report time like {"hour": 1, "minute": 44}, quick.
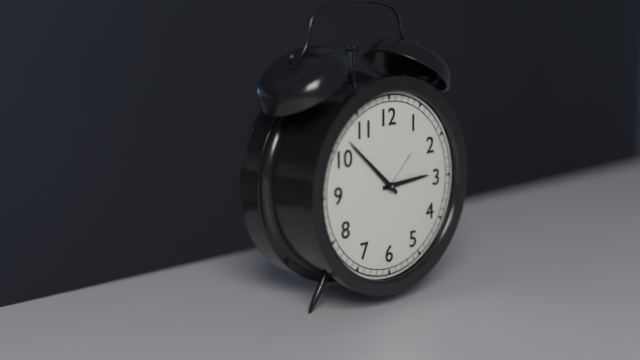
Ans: {"hour": 2, "minute": 52}
